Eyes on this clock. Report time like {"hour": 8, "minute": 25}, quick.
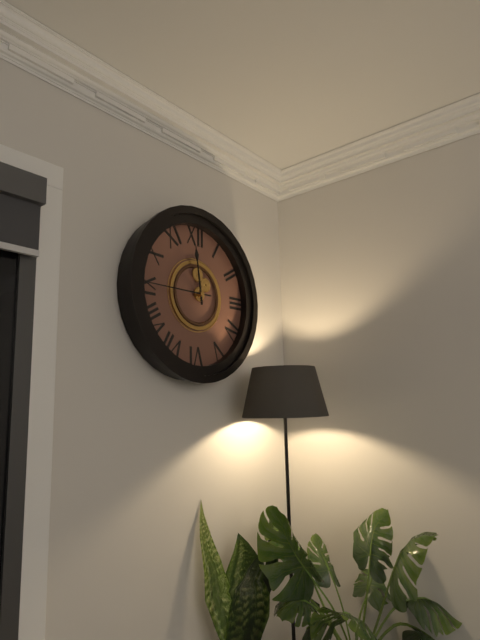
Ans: {"hour": 11, "minute": 45}
